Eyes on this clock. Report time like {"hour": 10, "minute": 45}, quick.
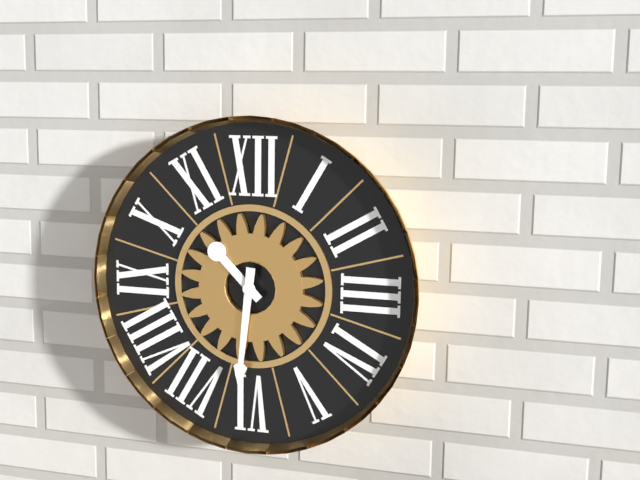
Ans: {"hour": 10, "minute": 31}
